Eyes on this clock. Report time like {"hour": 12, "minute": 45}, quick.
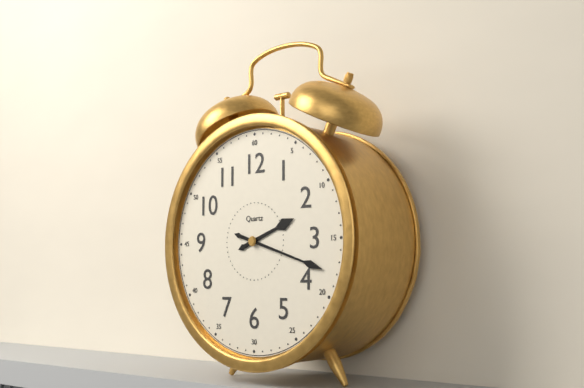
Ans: {"hour": 2, "minute": 18}
